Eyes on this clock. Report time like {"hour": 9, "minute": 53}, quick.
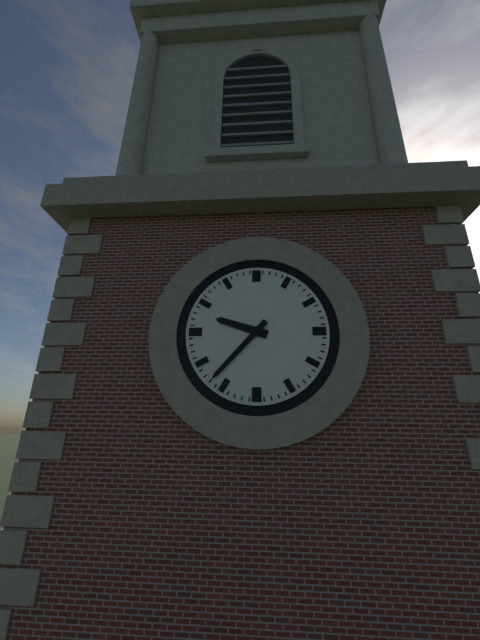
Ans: {"hour": 9, "minute": 37}
